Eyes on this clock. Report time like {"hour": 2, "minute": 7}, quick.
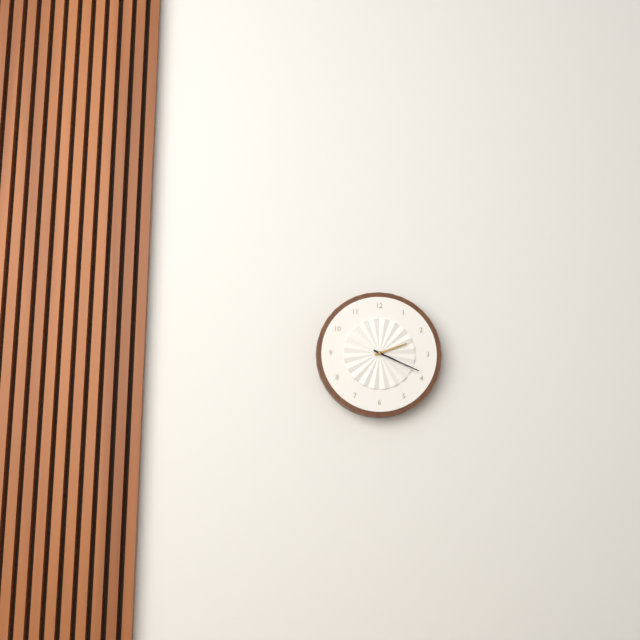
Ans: {"hour": 2, "minute": 19}
